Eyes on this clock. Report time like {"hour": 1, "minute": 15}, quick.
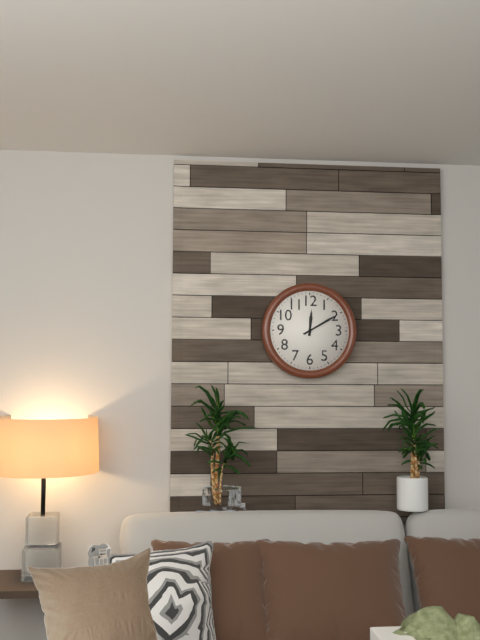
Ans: {"hour": 12, "minute": 10}
